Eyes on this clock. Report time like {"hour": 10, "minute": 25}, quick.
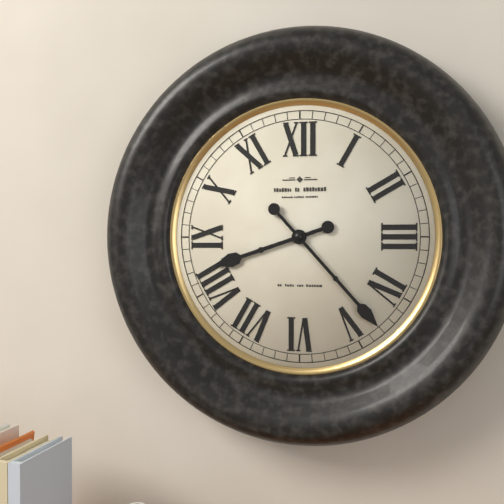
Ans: {"hour": 8, "minute": 23}
